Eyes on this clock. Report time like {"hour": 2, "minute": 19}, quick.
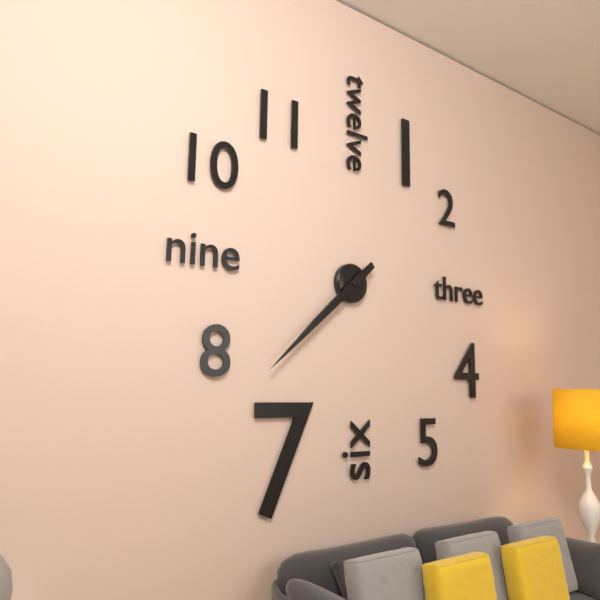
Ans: {"hour": 7, "minute": 38}
